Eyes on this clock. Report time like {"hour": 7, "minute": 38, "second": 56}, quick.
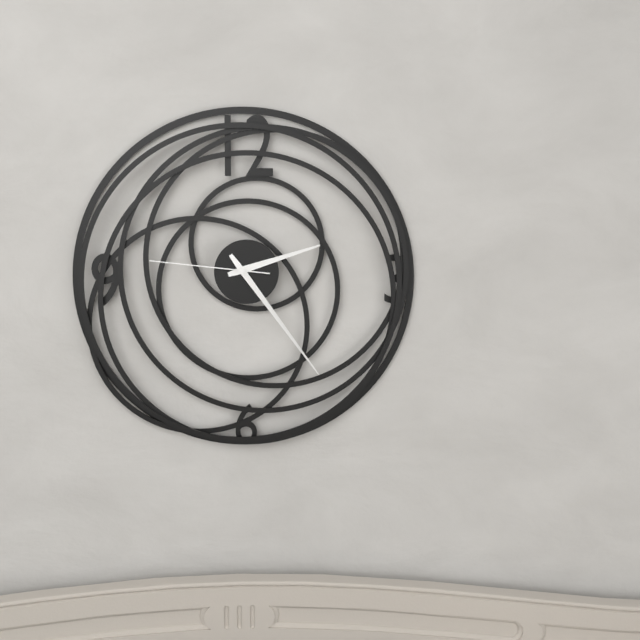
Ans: {"hour": 2, "minute": 24, "second": 46}
